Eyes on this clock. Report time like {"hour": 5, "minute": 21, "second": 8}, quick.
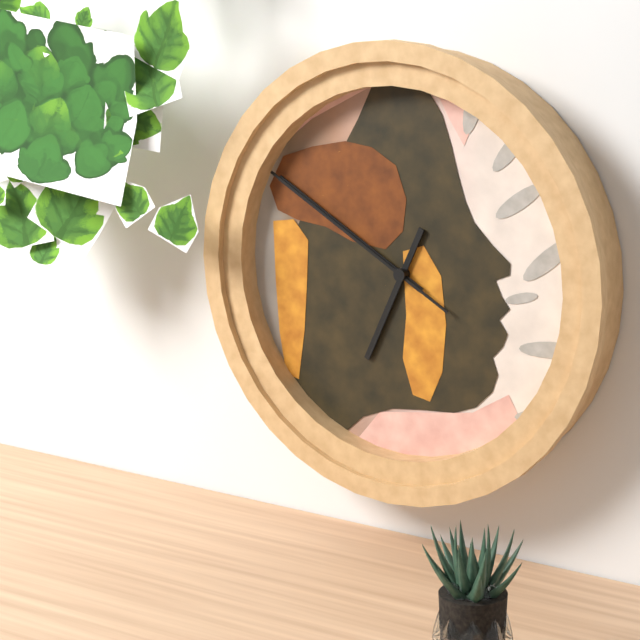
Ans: {"hour": 6, "minute": 50, "second": 50}
